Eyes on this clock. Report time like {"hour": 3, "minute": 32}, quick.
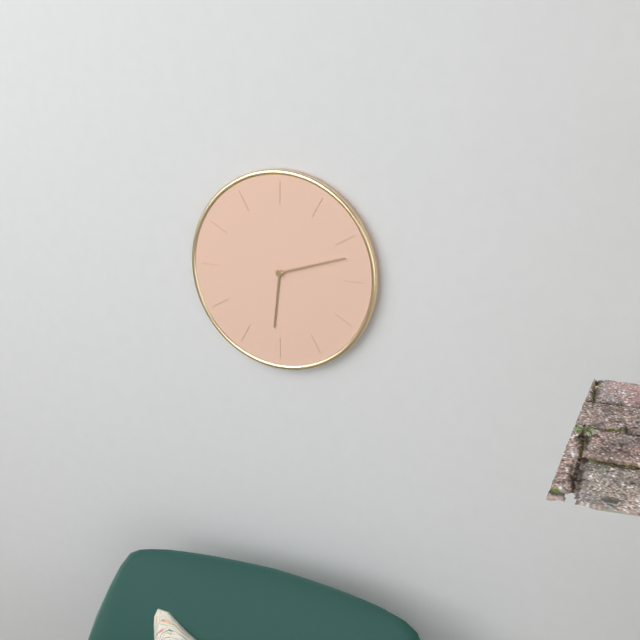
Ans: {"hour": 6, "minute": 12}
